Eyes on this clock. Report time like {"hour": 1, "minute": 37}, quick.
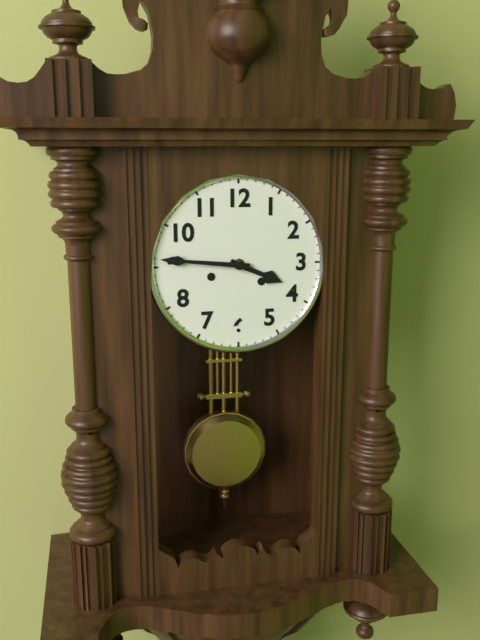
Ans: {"hour": 3, "minute": 46}
